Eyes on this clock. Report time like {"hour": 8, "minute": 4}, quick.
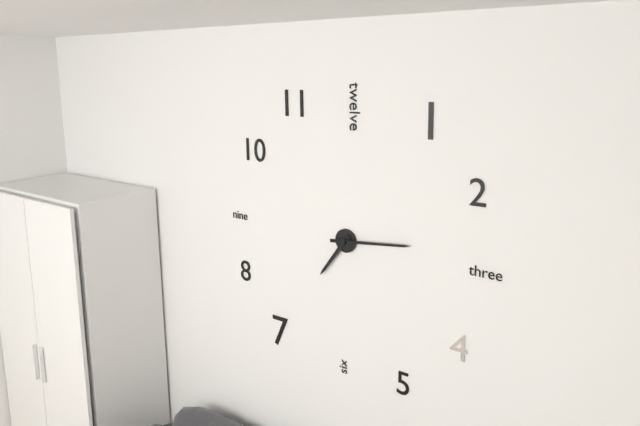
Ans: {"hour": 7, "minute": 14}
